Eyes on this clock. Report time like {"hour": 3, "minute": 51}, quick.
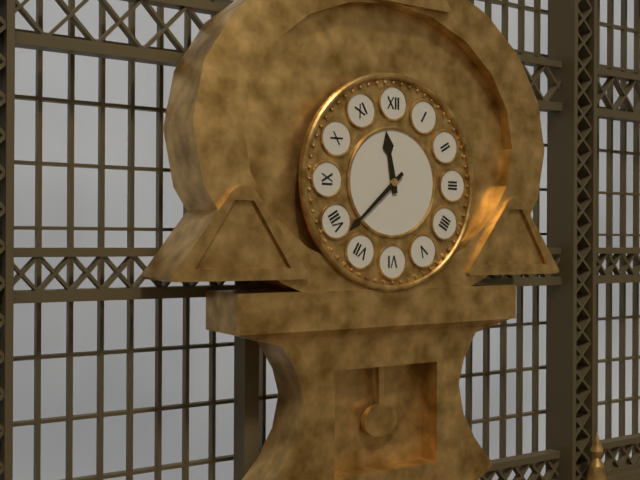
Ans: {"hour": 11, "minute": 38}
